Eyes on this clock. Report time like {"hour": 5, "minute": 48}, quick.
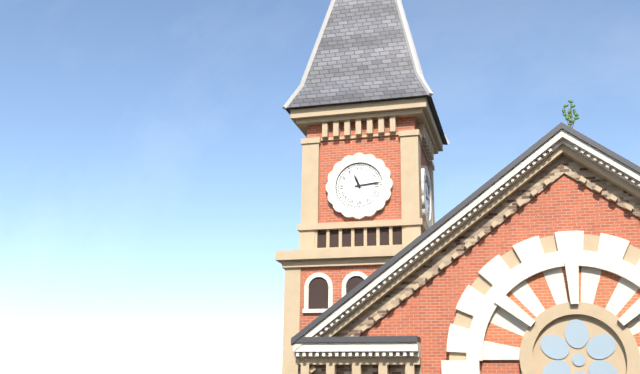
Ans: {"hour": 11, "minute": 14}
